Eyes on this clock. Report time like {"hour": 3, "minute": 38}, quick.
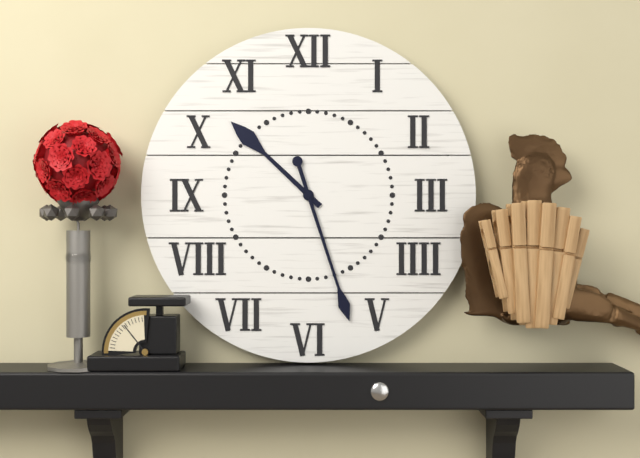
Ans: {"hour": 10, "minute": 27}
